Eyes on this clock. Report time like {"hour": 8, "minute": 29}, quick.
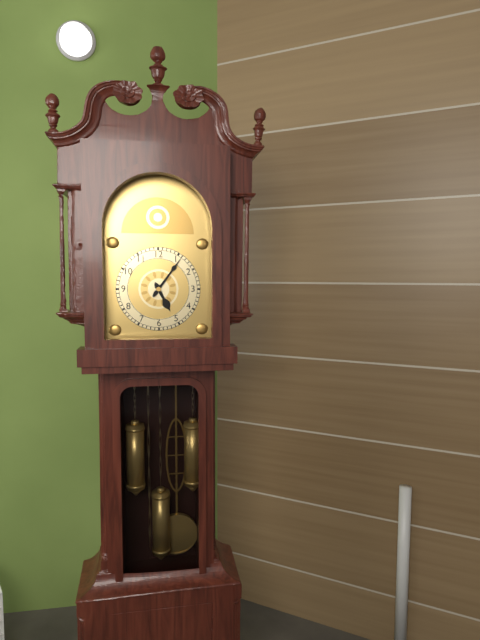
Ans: {"hour": 5, "minute": 6}
